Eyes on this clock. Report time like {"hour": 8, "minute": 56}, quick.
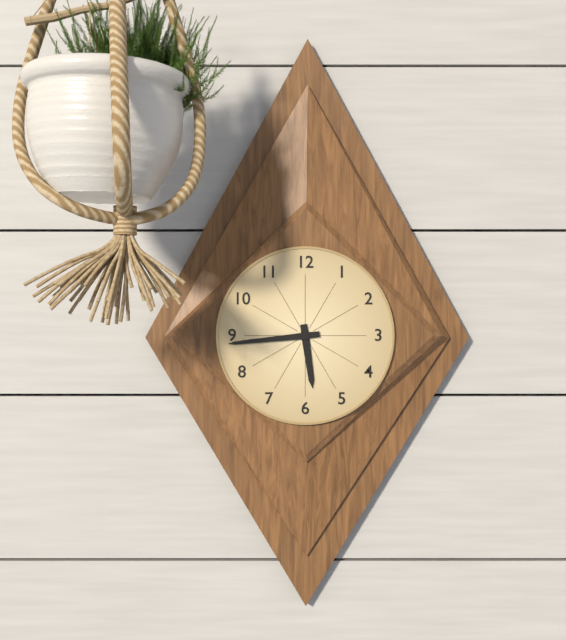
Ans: {"hour": 5, "minute": 44}
